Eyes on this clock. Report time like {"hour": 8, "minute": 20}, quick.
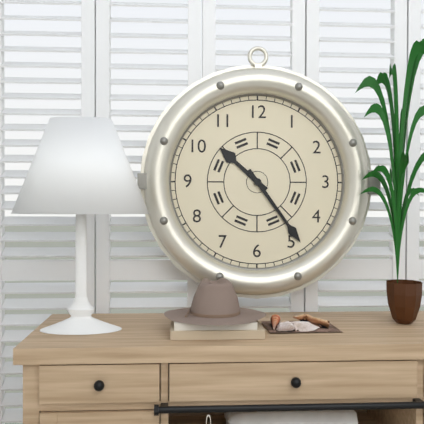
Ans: {"hour": 10, "minute": 24}
